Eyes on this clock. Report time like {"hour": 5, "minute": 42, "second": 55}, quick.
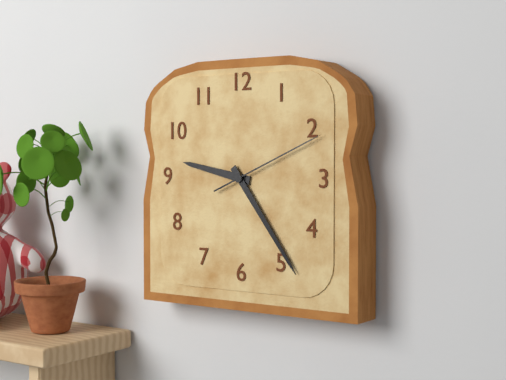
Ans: {"hour": 9, "minute": 24, "second": 11}
